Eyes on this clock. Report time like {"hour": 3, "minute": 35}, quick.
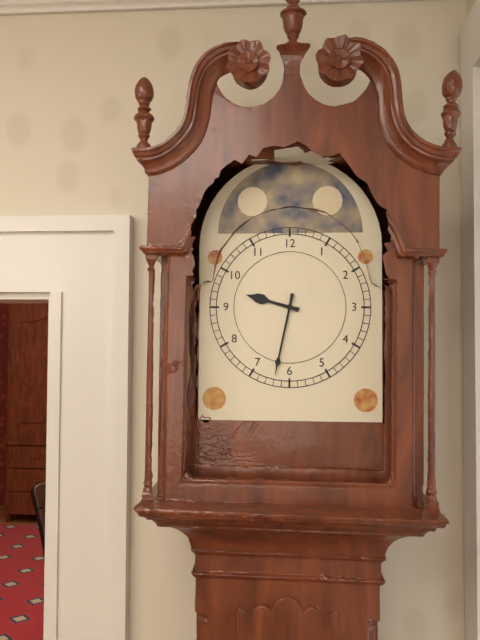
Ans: {"hour": 9, "minute": 32}
